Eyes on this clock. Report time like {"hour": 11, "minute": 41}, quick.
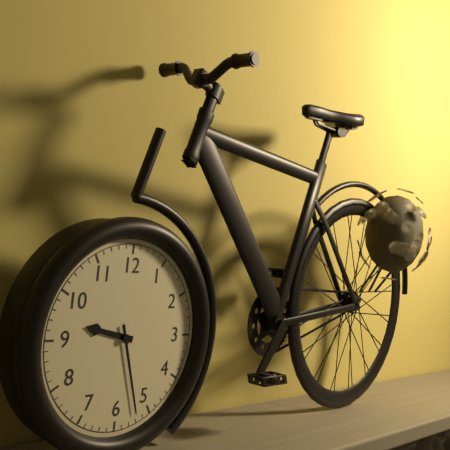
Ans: {"hour": 9, "minute": 27}
